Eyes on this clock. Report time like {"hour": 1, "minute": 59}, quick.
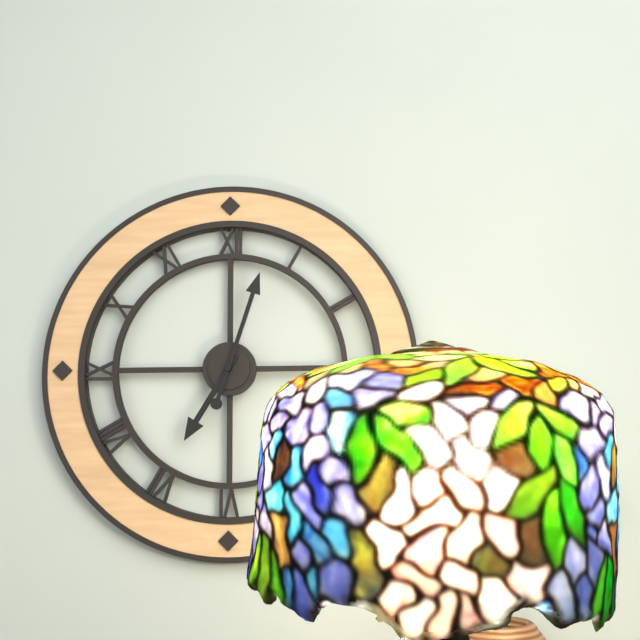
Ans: {"hour": 7, "minute": 3}
